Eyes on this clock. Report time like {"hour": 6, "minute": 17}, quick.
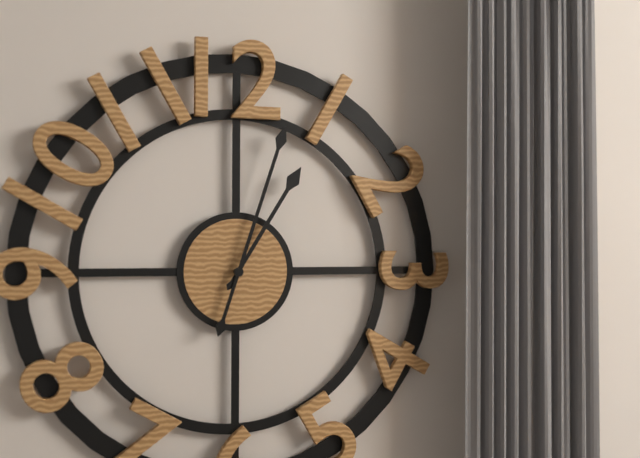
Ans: {"hour": 1, "minute": 3}
